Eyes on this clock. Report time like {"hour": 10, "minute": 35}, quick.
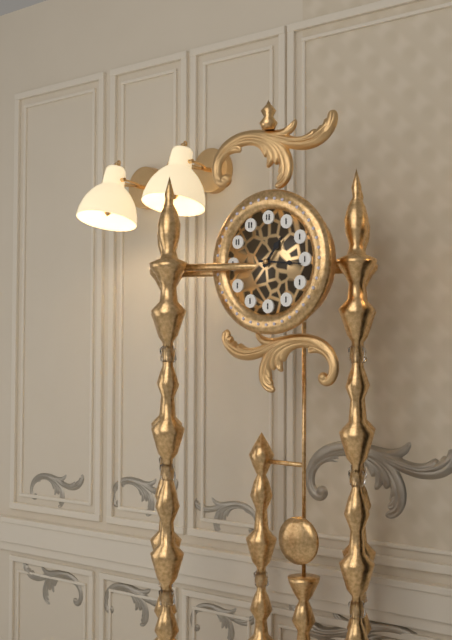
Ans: {"hour": 1, "minute": 16}
